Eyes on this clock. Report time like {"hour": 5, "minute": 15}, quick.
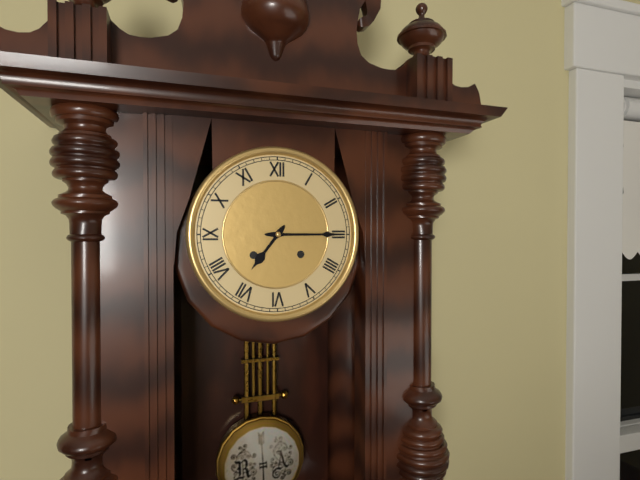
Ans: {"hour": 7, "minute": 15}
